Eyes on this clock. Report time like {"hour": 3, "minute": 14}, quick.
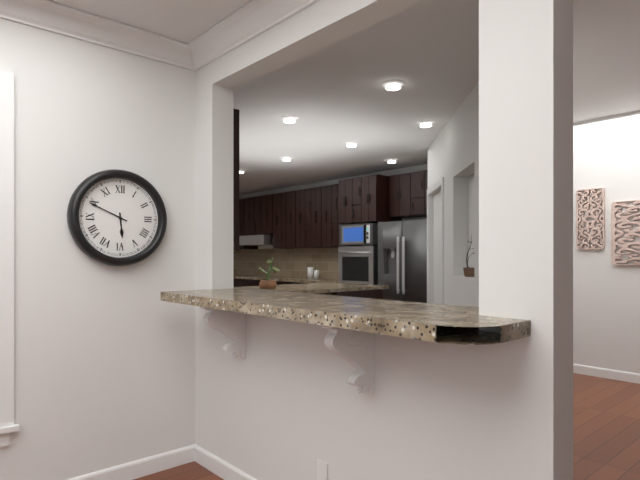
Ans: {"hour": 5, "minute": 49}
